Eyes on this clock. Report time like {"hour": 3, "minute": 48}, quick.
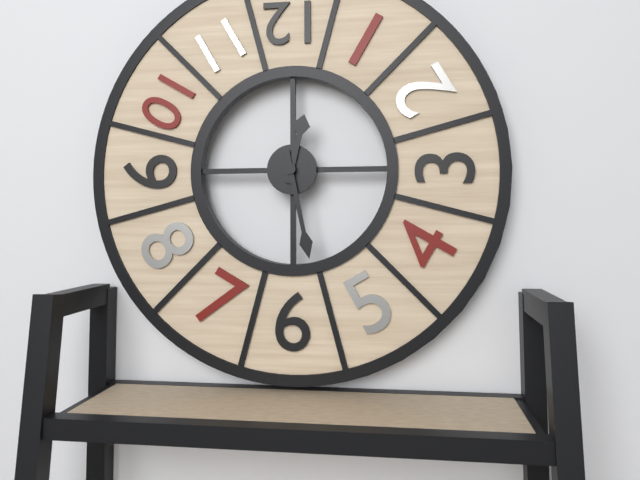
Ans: {"hour": 12, "minute": 28}
